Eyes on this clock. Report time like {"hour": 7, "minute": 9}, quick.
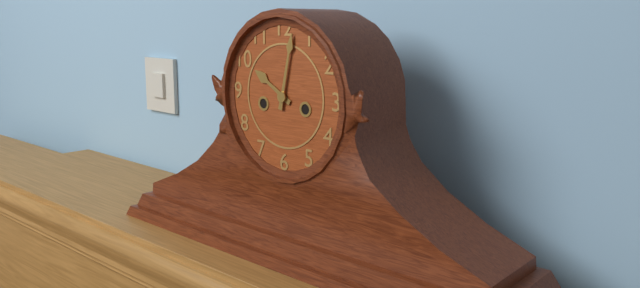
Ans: {"hour": 10, "minute": 2}
